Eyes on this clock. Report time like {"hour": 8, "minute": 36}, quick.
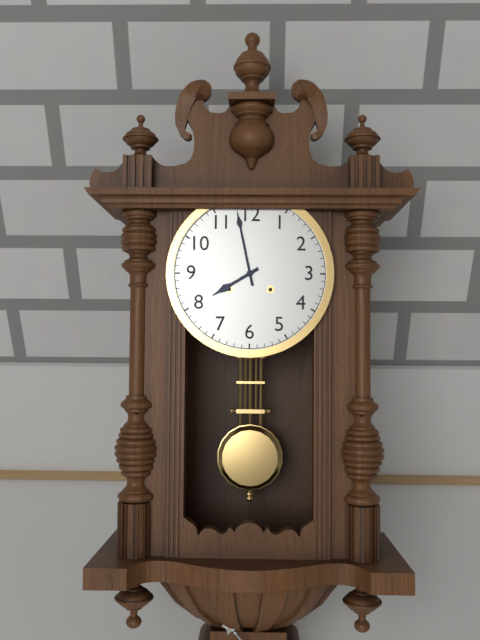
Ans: {"hour": 7, "minute": 58}
